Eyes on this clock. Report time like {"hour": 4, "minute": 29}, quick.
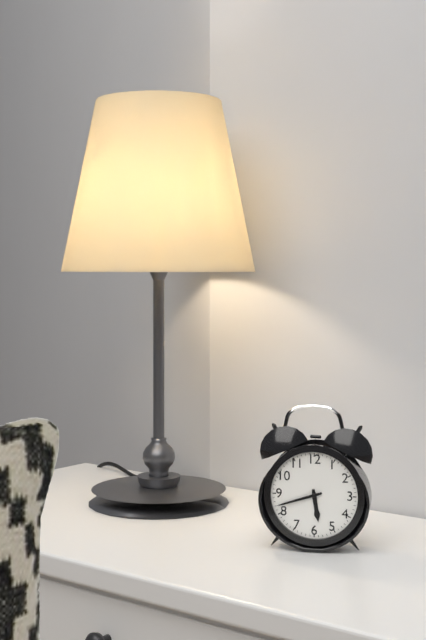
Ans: {"hour": 5, "minute": 42}
